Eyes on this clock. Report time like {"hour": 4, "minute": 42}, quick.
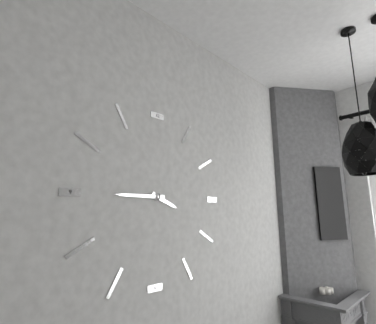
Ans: {"hour": 3, "minute": 45}
